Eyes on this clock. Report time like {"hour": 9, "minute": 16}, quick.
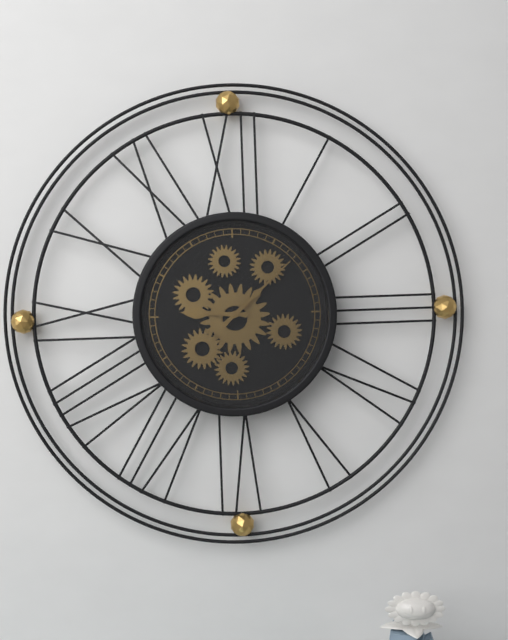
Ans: {"hour": 9, "minute": 8}
